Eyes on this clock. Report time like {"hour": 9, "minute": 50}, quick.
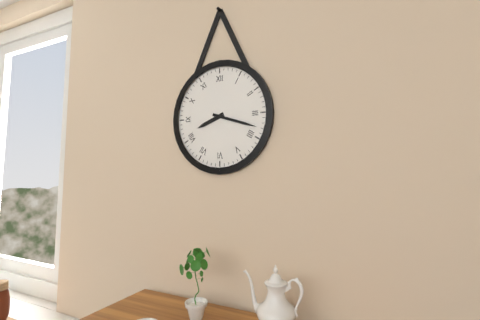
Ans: {"hour": 8, "minute": 18}
